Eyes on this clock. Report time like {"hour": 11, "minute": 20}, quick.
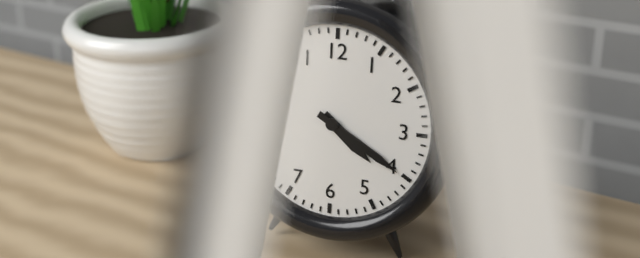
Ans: {"hour": 4, "minute": 20}
